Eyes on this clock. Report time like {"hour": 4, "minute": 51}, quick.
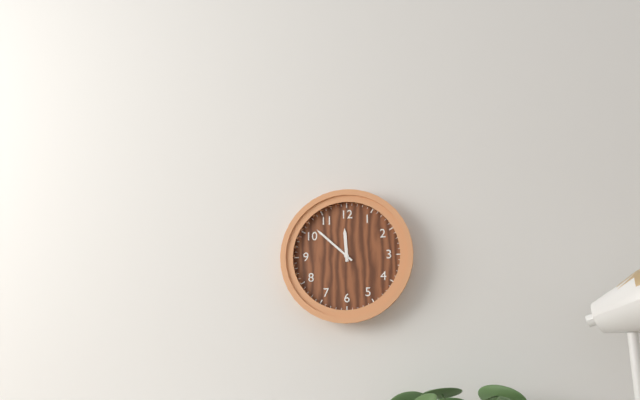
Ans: {"hour": 11, "minute": 52}
